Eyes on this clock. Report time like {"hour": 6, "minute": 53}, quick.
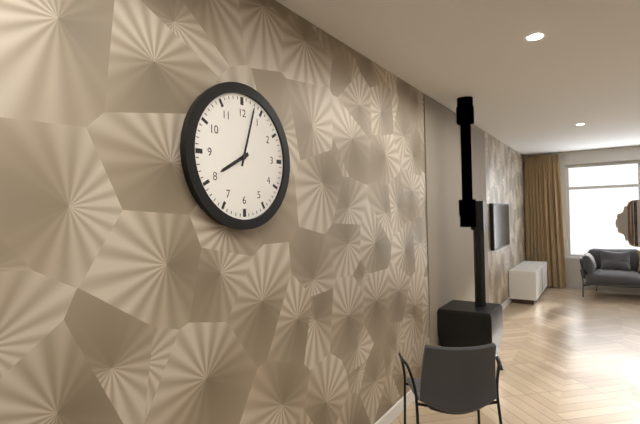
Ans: {"hour": 8, "minute": 3}
